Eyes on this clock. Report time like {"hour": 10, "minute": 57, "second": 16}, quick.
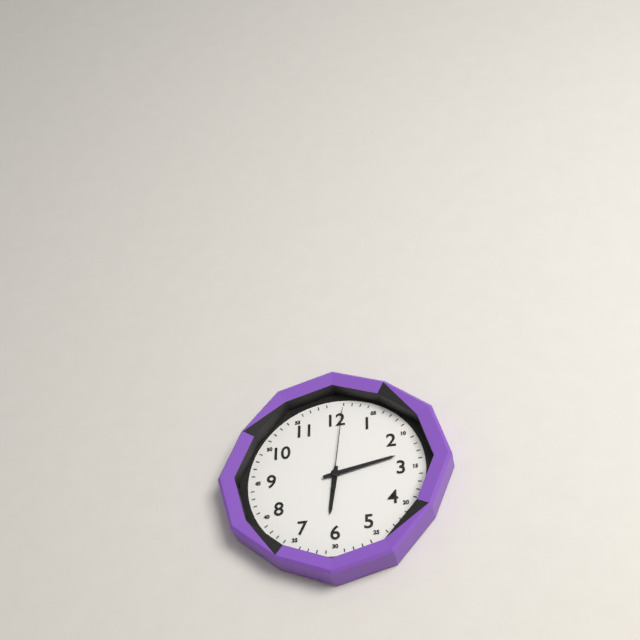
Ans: {"hour": 6, "minute": 13, "second": 1}
